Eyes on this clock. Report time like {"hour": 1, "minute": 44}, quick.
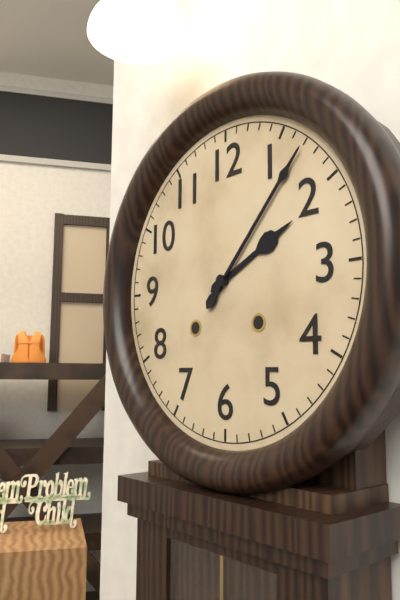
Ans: {"hour": 2, "minute": 7}
